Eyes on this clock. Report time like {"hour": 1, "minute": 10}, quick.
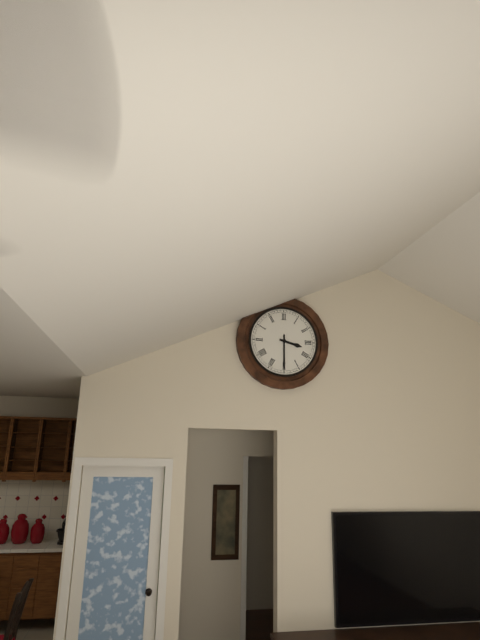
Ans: {"hour": 3, "minute": 30}
